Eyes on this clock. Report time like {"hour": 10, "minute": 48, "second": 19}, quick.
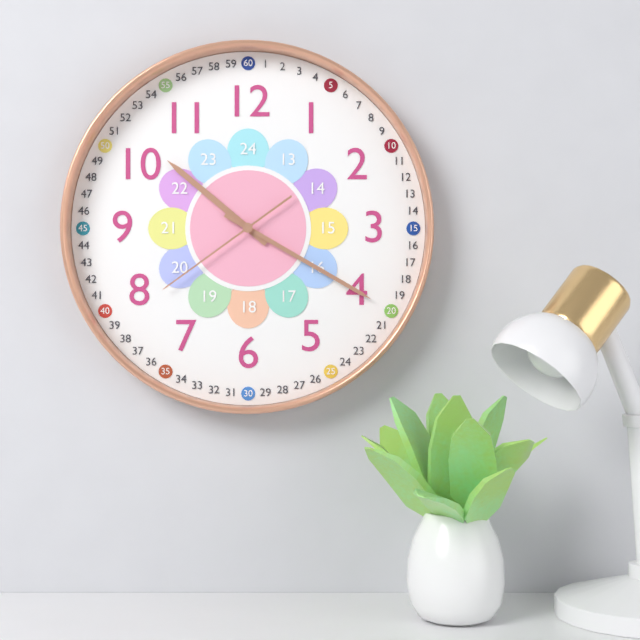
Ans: {"hour": 10, "minute": 20, "second": 39}
